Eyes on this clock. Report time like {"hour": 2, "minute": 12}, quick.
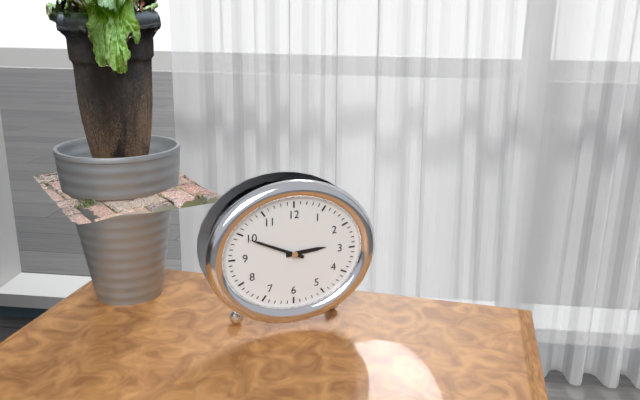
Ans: {"hour": 2, "minute": 49}
